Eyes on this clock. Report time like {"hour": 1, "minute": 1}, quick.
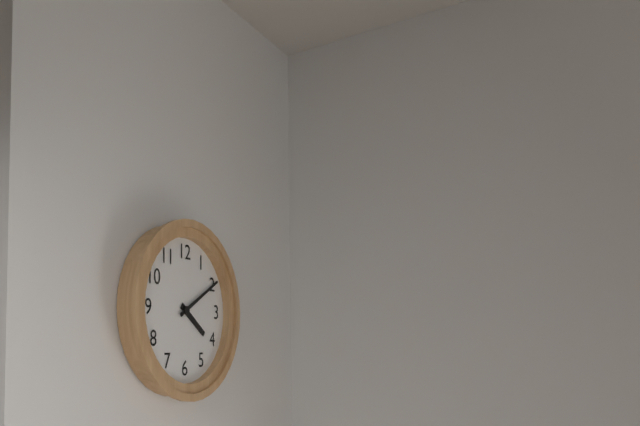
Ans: {"hour": 4, "minute": 10}
